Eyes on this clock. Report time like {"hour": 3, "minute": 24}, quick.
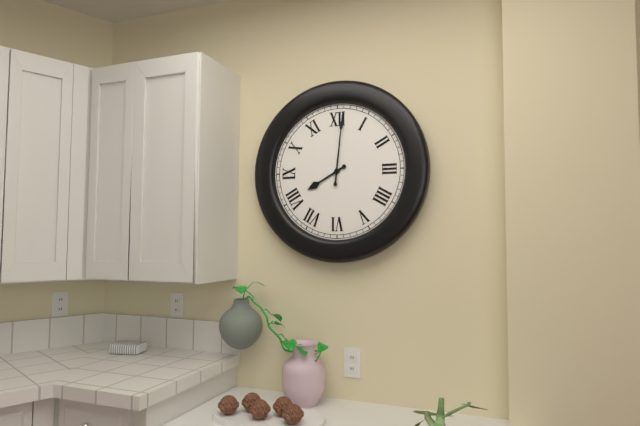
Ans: {"hour": 8, "minute": 1}
